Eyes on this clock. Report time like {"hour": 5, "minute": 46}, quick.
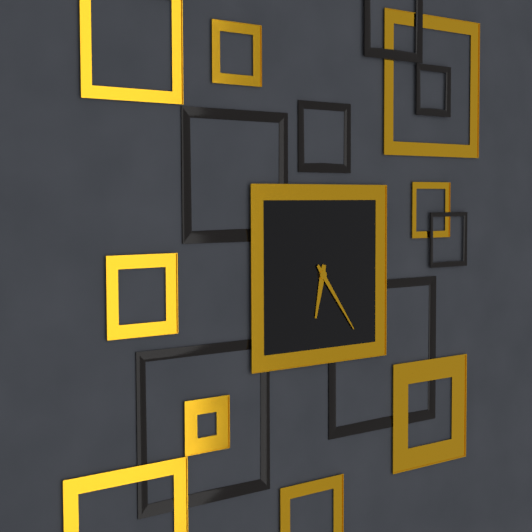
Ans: {"hour": 6, "minute": 24}
